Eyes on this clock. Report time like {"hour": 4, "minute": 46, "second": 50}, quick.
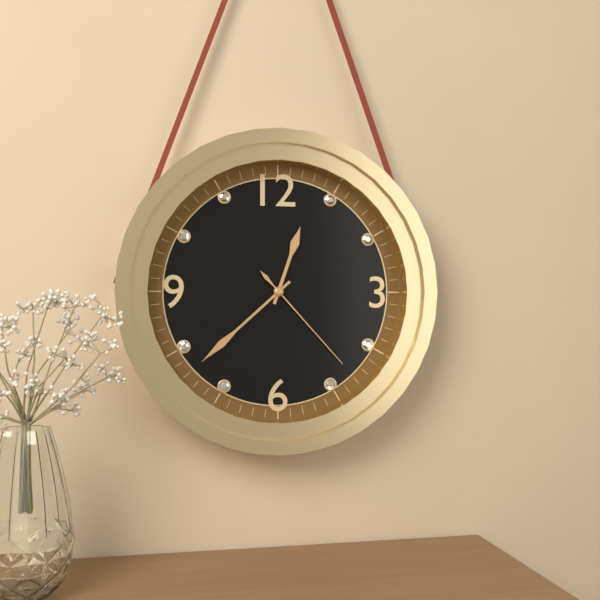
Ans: {"hour": 12, "minute": 38, "second": 23}
